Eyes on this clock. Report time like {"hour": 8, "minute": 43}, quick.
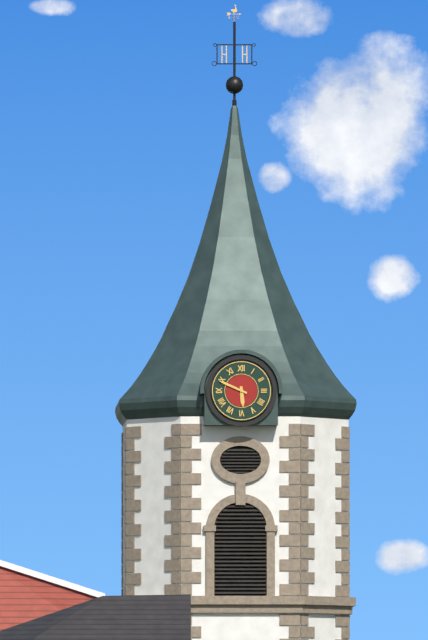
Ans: {"hour": 5, "minute": 49}
